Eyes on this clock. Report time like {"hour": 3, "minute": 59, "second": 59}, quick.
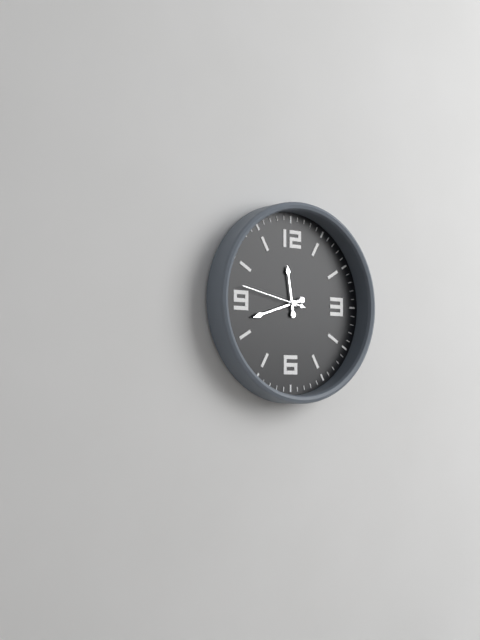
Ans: {"hour": 11, "minute": 42, "second": 47}
